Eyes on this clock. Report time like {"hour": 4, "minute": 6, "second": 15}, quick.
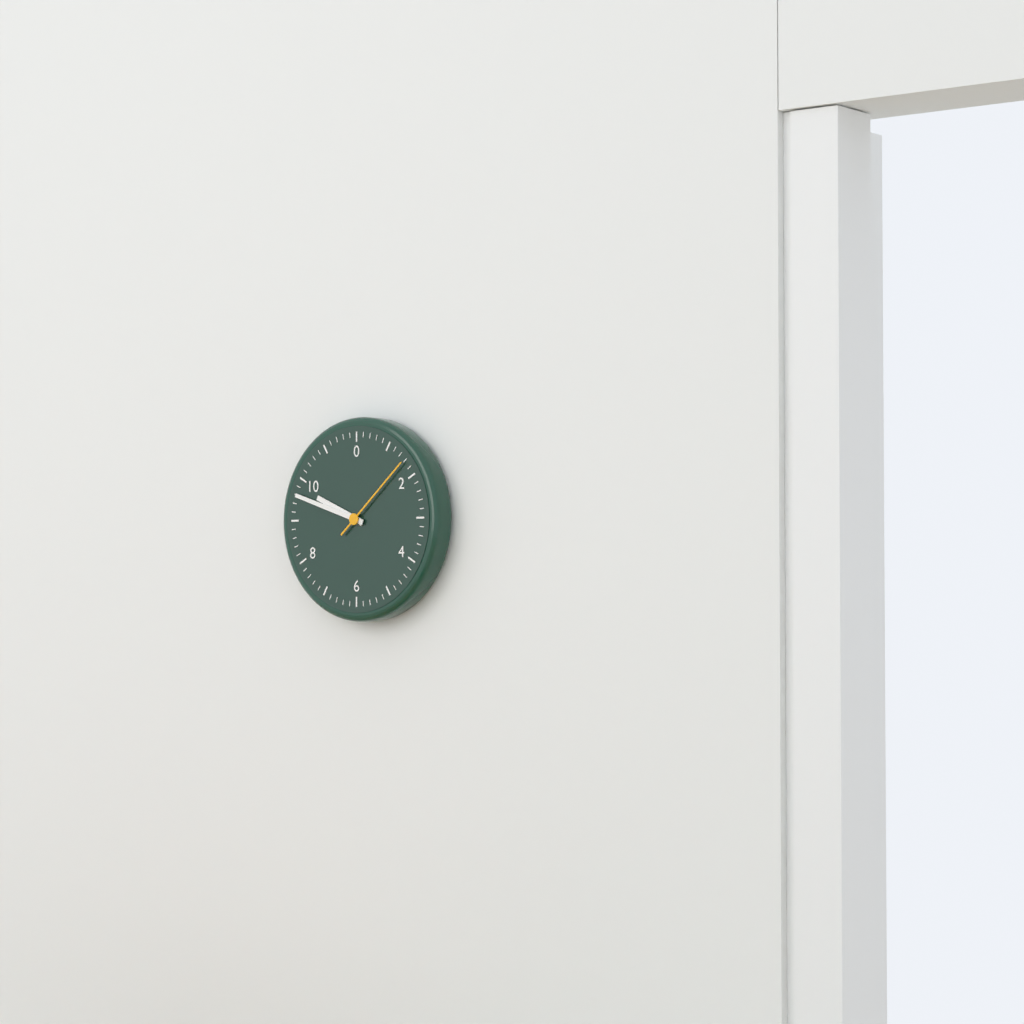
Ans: {"hour": 9, "minute": 48, "second": 8}
